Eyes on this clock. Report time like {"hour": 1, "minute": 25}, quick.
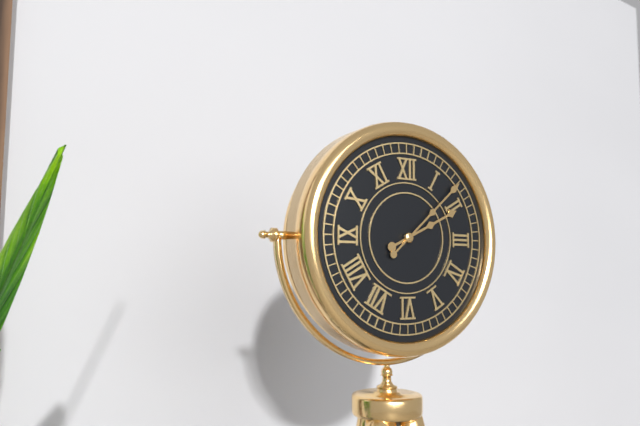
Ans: {"hour": 2, "minute": 8}
